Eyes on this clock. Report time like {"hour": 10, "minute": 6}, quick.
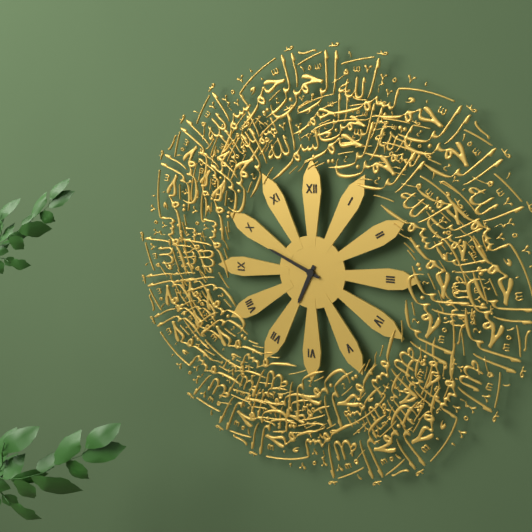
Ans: {"hour": 6, "minute": 49}
